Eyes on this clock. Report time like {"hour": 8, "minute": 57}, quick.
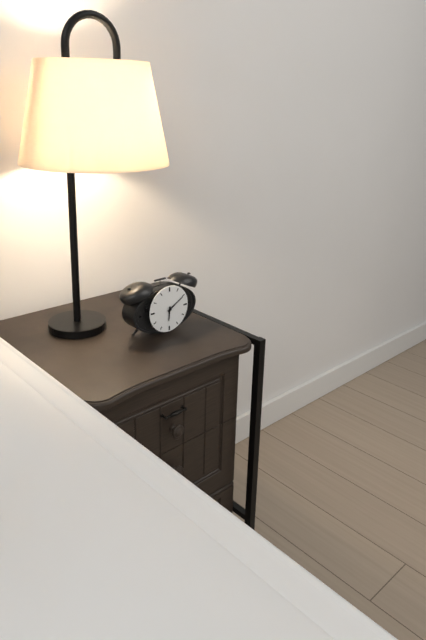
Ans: {"hour": 6, "minute": 10}
